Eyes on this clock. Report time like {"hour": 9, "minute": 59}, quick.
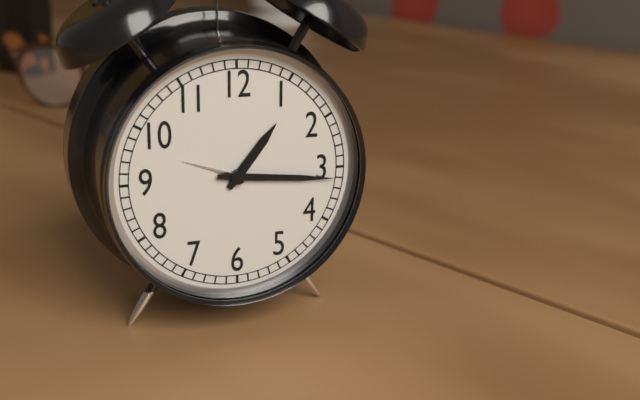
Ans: {"hour": 1, "minute": 16}
